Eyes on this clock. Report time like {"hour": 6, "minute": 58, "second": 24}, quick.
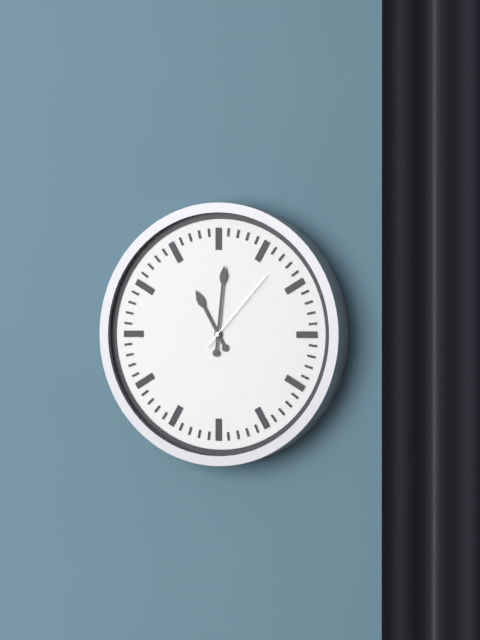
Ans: {"hour": 11, "minute": 1, "second": 7}
